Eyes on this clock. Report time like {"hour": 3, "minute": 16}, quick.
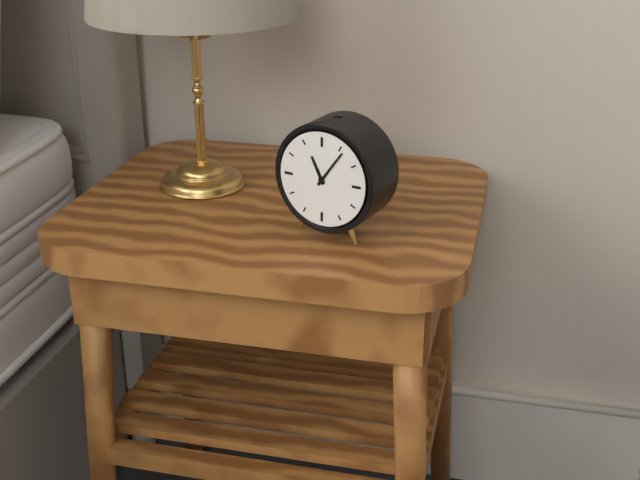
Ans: {"hour": 11, "minute": 6}
